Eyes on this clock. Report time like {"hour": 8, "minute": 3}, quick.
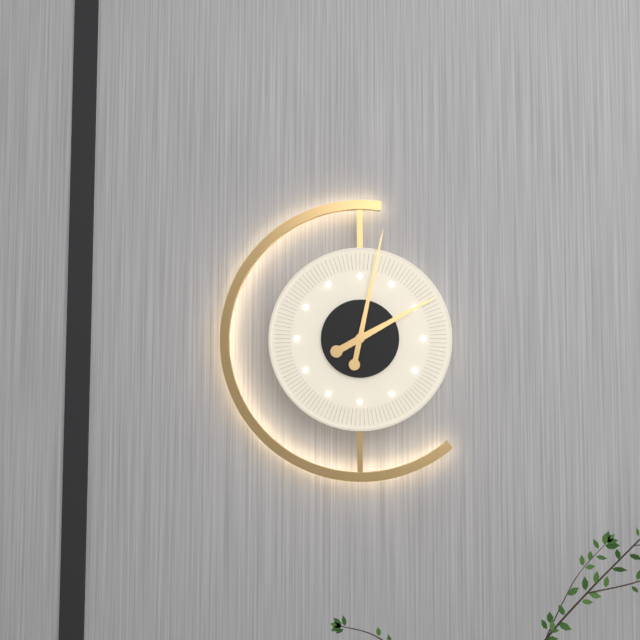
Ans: {"hour": 2, "minute": 2}
